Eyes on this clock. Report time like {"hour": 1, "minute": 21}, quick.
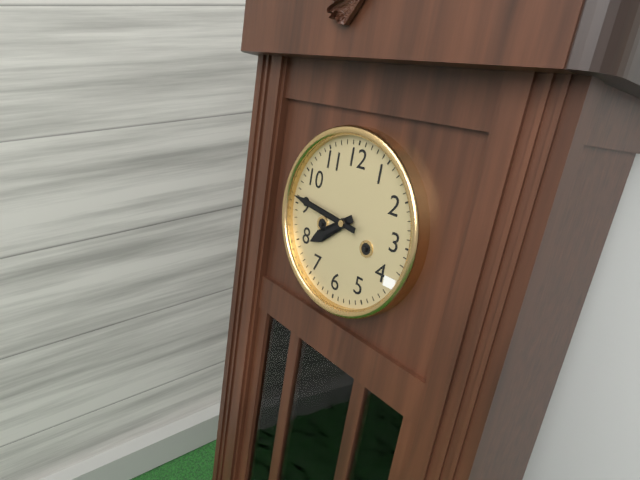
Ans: {"hour": 7, "minute": 46}
